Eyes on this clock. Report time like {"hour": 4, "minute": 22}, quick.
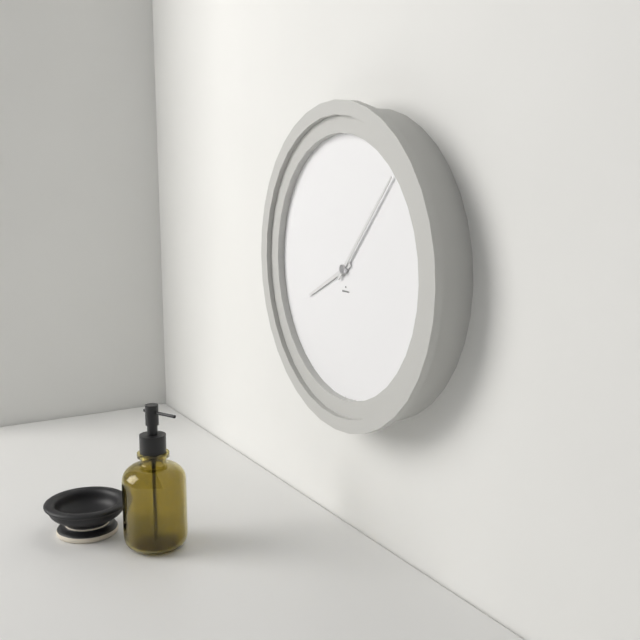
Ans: {"hour": 8, "minute": 7}
